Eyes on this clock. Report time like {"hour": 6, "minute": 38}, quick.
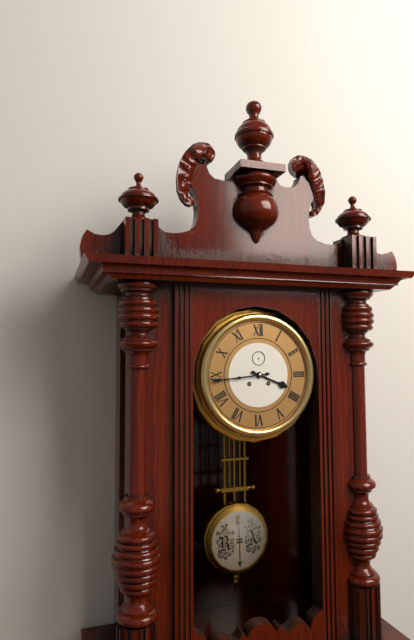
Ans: {"hour": 3, "minute": 44}
